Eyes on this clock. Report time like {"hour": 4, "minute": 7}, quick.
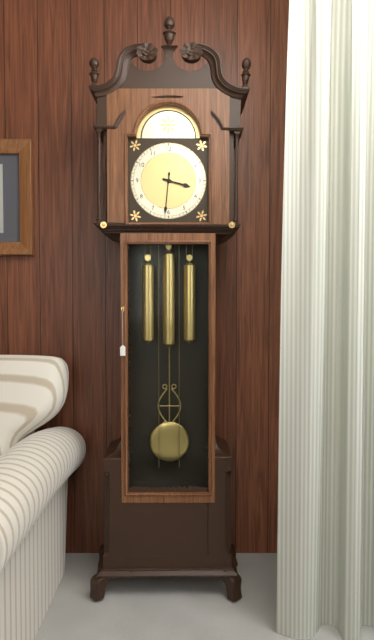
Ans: {"hour": 3, "minute": 31}
